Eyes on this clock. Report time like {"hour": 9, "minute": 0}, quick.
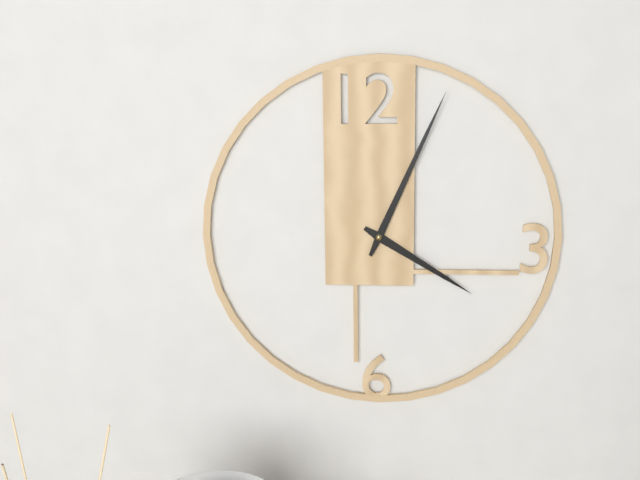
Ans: {"hour": 4, "minute": 4}
